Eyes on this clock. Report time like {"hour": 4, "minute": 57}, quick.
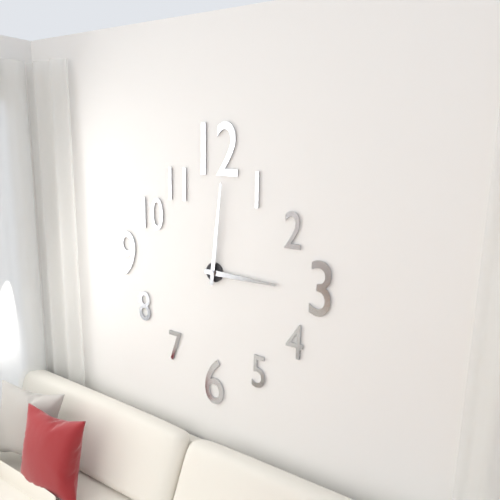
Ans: {"hour": 3, "minute": 1}
